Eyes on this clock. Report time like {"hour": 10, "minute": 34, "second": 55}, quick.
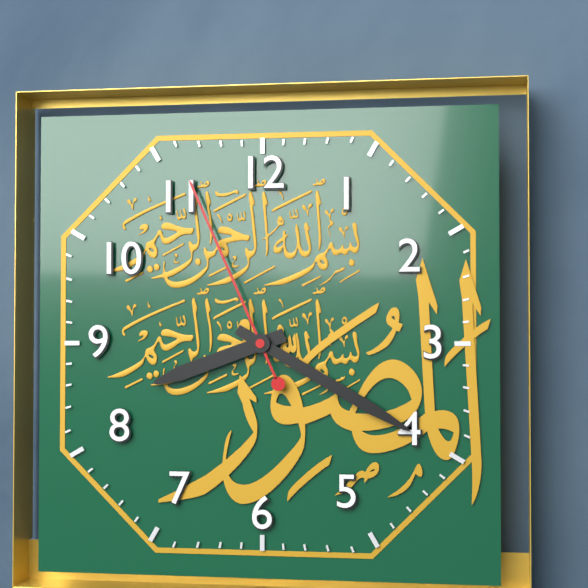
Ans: {"hour": 8, "minute": 20, "second": 56}
